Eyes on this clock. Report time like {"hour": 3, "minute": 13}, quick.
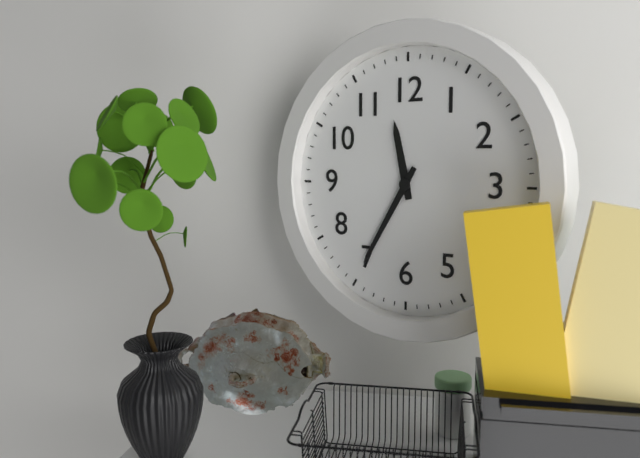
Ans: {"hour": 11, "minute": 35}
